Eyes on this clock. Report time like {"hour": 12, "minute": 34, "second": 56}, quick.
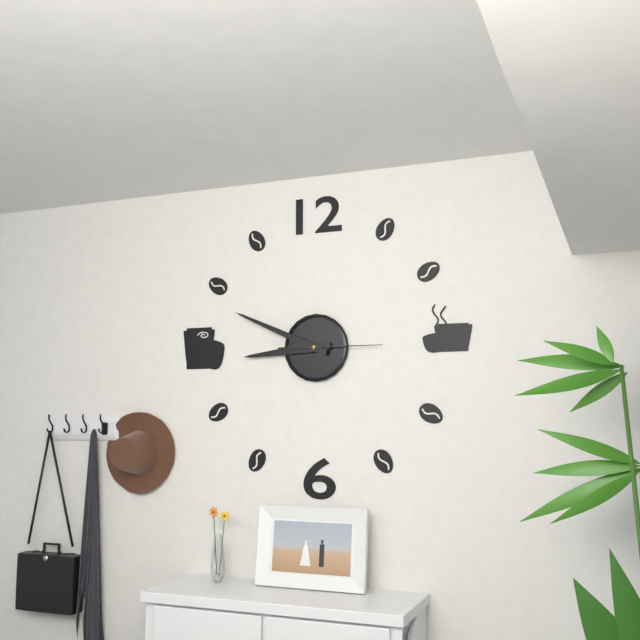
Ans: {"hour": 8, "minute": 49, "second": 15}
